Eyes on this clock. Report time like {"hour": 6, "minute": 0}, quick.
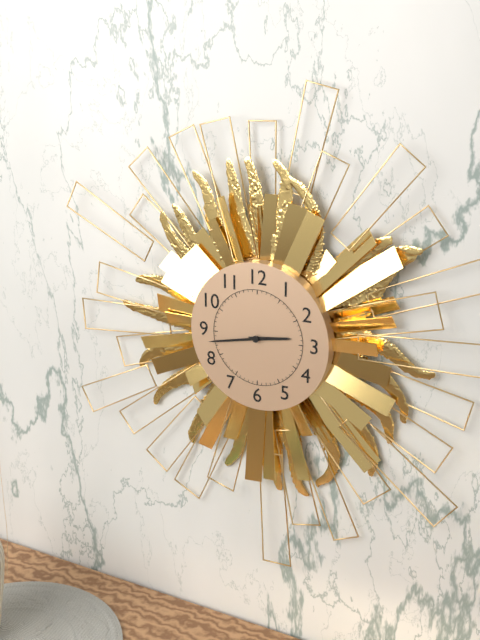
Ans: {"hour": 2, "minute": 43}
